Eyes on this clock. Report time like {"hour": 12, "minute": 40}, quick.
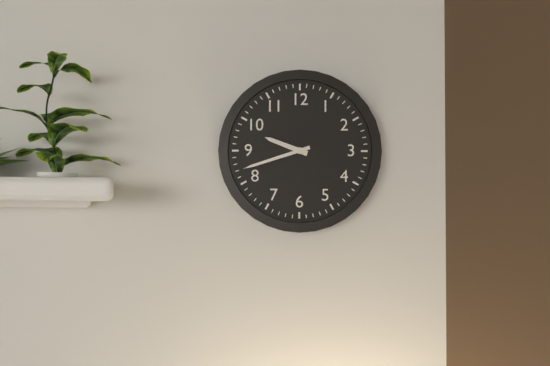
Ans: {"hour": 9, "minute": 42}
